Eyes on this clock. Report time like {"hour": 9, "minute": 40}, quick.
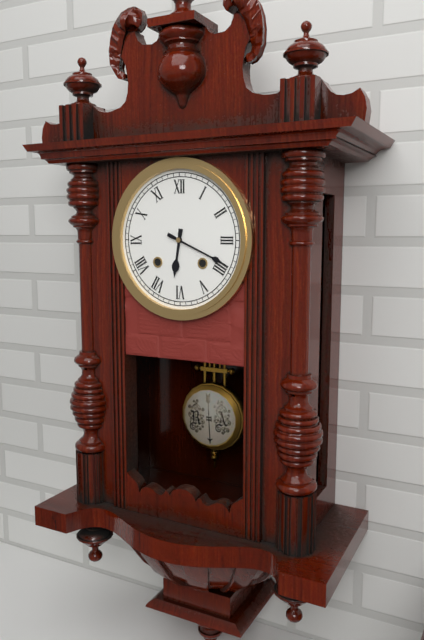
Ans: {"hour": 6, "minute": 19}
